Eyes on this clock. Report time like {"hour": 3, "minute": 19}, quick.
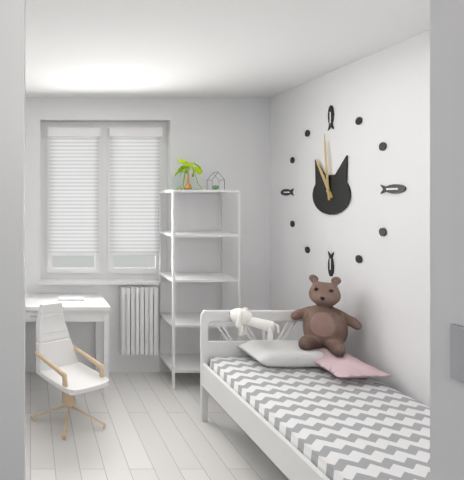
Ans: {"hour": 10, "minute": 59}
